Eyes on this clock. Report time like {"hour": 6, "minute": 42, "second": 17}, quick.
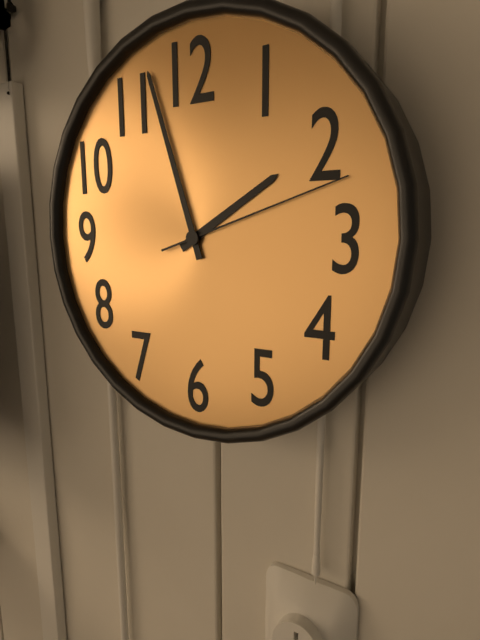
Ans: {"hour": 1, "minute": 57, "second": 12}
